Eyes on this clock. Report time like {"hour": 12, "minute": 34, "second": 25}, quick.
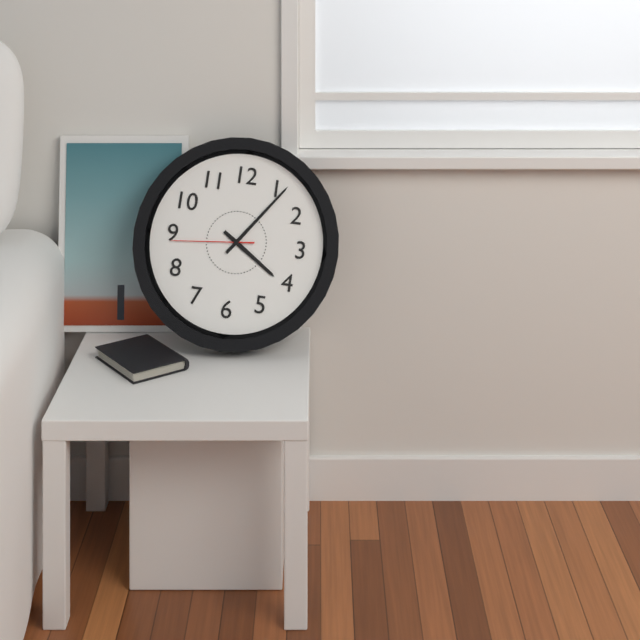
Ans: {"hour": 4, "minute": 6, "second": 44}
